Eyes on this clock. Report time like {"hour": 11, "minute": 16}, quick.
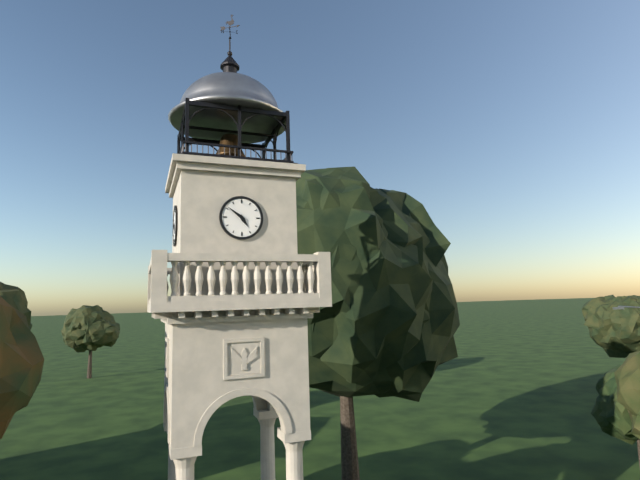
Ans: {"hour": 4, "minute": 51}
